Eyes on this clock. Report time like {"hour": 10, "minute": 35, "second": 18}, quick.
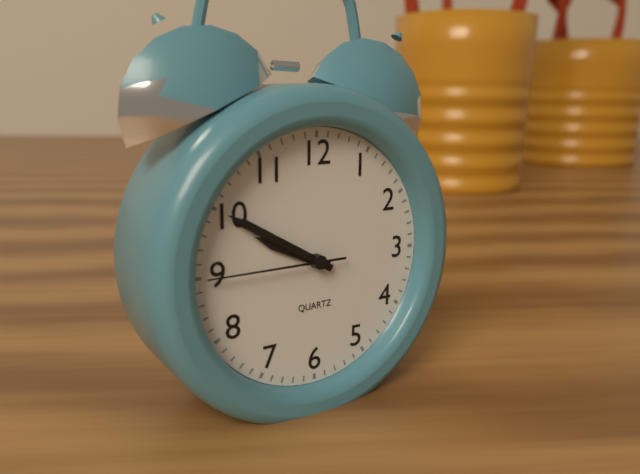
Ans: {"hour": 9, "minute": 50, "second": 45}
